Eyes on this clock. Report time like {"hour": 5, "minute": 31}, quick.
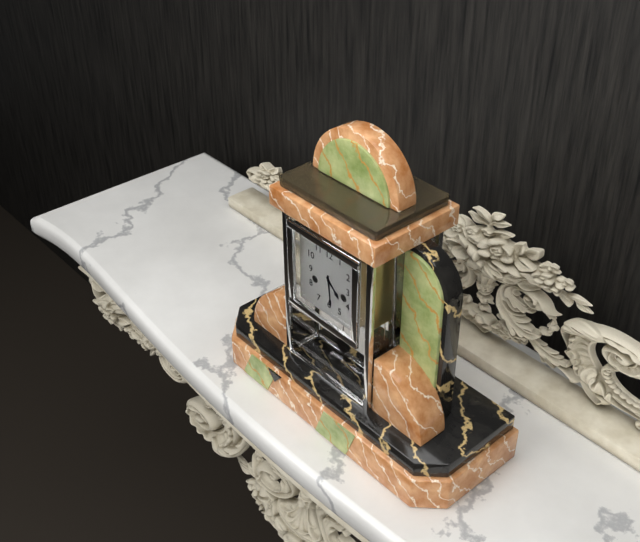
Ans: {"hour": 4, "minute": 29}
